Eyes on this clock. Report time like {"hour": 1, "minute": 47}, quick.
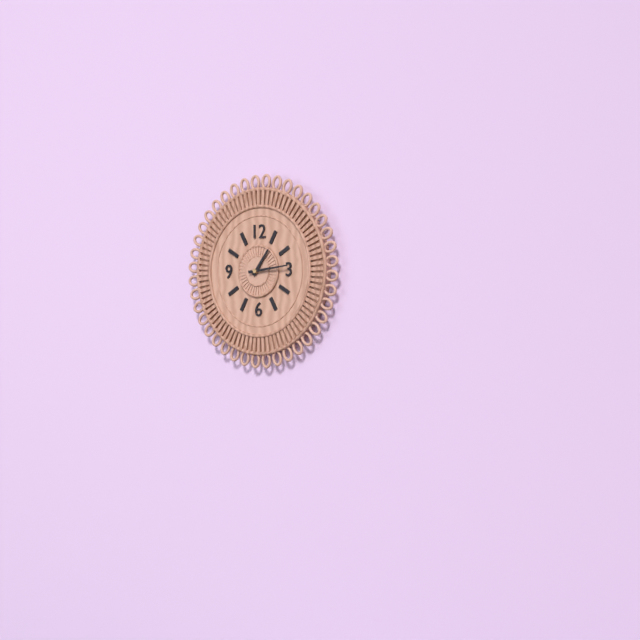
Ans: {"hour": 1, "minute": 14}
